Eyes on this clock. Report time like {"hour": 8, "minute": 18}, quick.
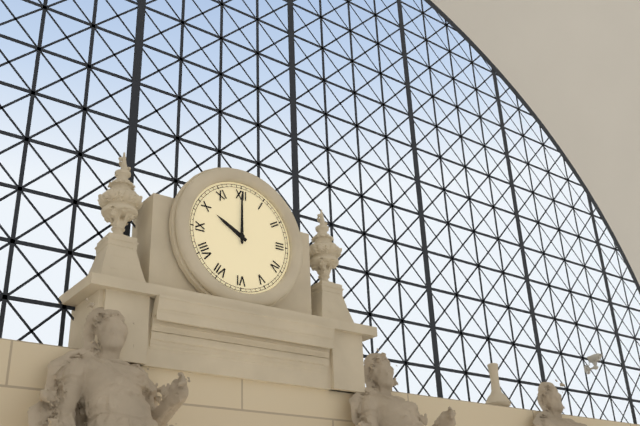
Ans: {"hour": 10, "minute": 0}
